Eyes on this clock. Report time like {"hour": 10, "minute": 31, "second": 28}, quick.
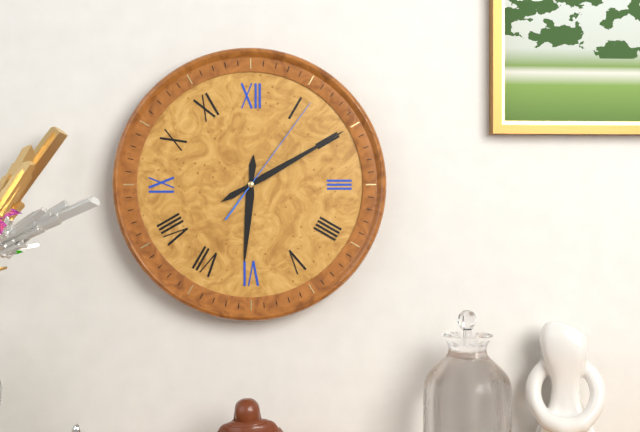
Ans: {"hour": 6, "minute": 10, "second": 6}
